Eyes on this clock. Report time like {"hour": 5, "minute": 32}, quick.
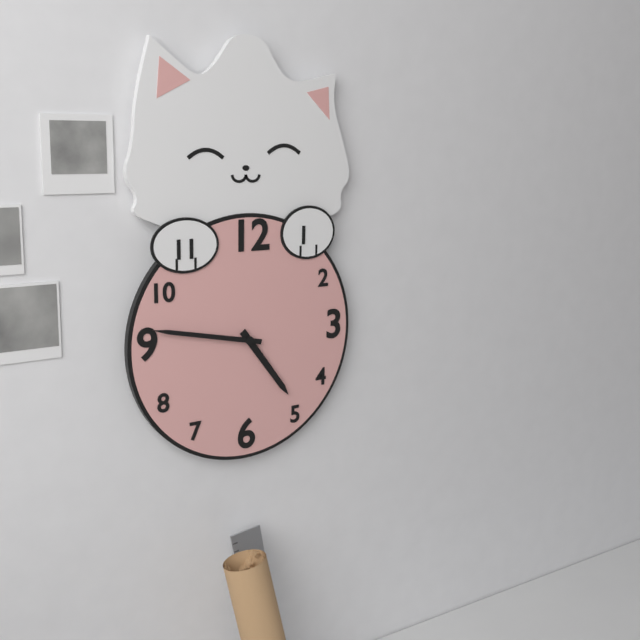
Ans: {"hour": 4, "minute": 47}
